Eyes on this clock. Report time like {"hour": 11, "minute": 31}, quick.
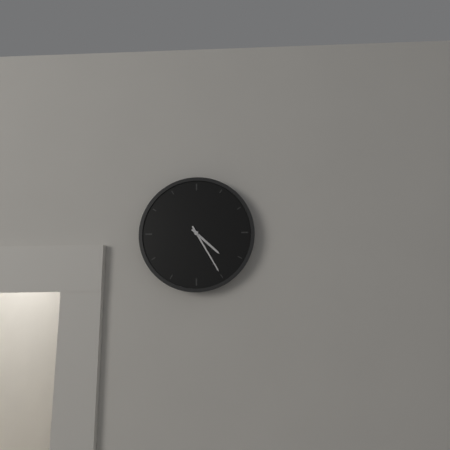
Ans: {"hour": 4, "minute": 25}
